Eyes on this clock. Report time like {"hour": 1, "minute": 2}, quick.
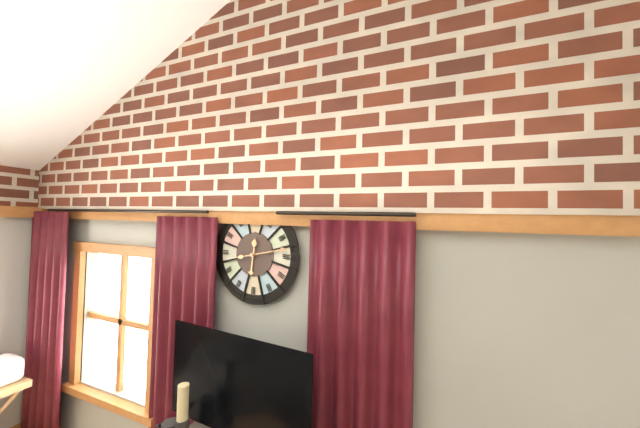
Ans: {"hour": 6, "minute": 13}
